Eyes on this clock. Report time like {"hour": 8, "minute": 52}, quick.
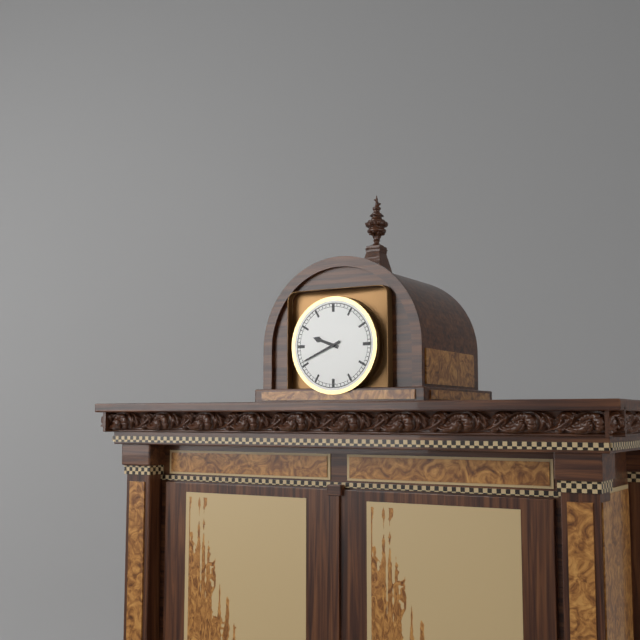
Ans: {"hour": 9, "minute": 41}
